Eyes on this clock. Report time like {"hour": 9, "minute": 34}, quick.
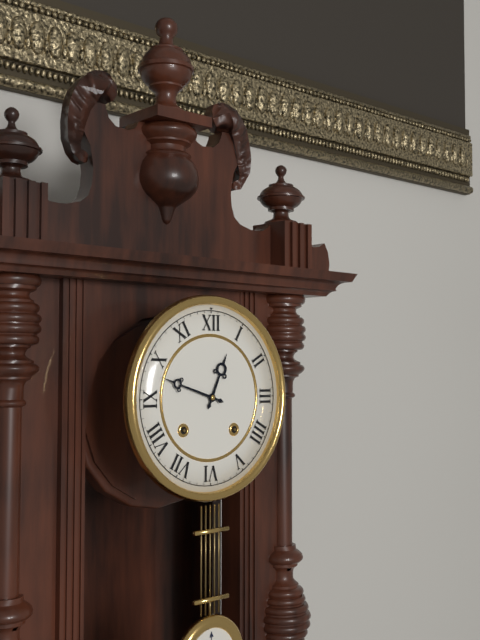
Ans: {"hour": 12, "minute": 48}
